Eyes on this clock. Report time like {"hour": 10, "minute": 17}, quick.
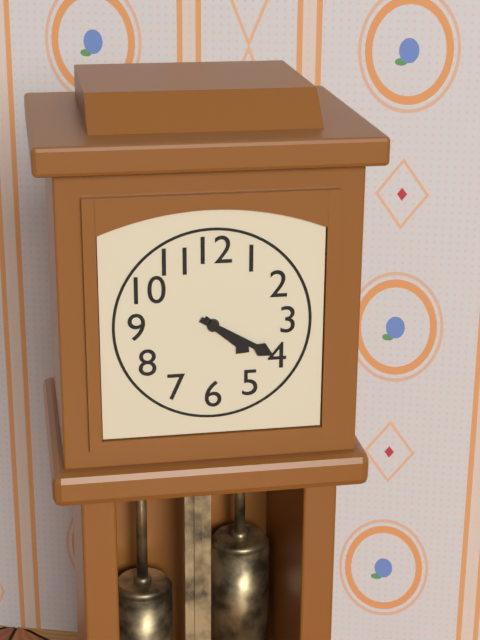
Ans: {"hour": 4, "minute": 20}
